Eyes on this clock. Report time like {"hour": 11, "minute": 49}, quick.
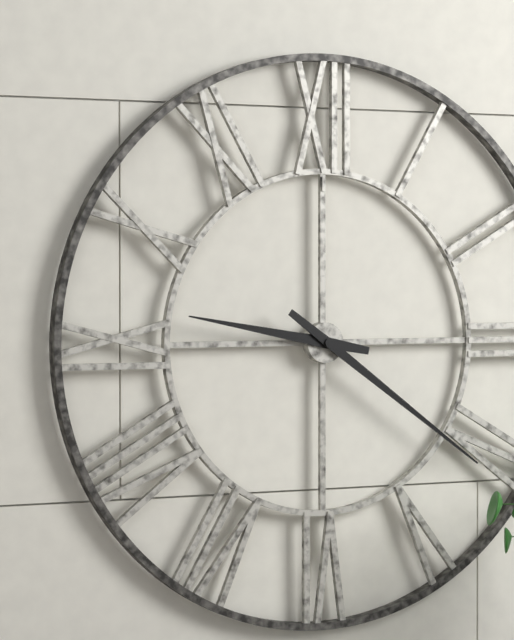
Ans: {"hour": 9, "minute": 21}
